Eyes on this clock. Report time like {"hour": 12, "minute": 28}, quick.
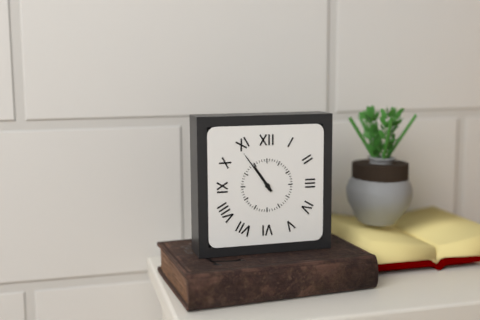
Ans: {"hour": 10, "minute": 54}
